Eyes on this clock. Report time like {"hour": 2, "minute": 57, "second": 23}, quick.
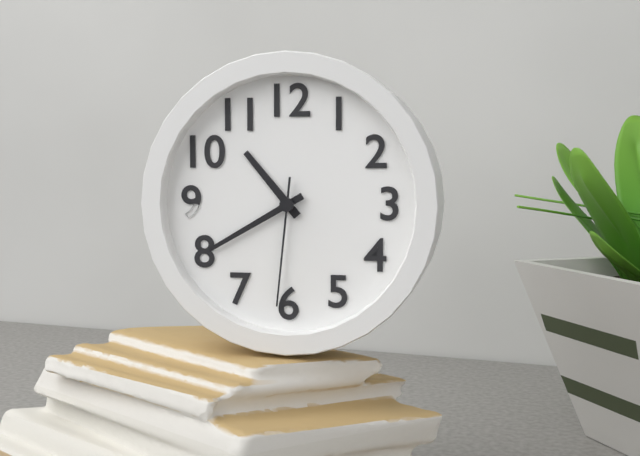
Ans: {"hour": 10, "minute": 40, "second": 31}
